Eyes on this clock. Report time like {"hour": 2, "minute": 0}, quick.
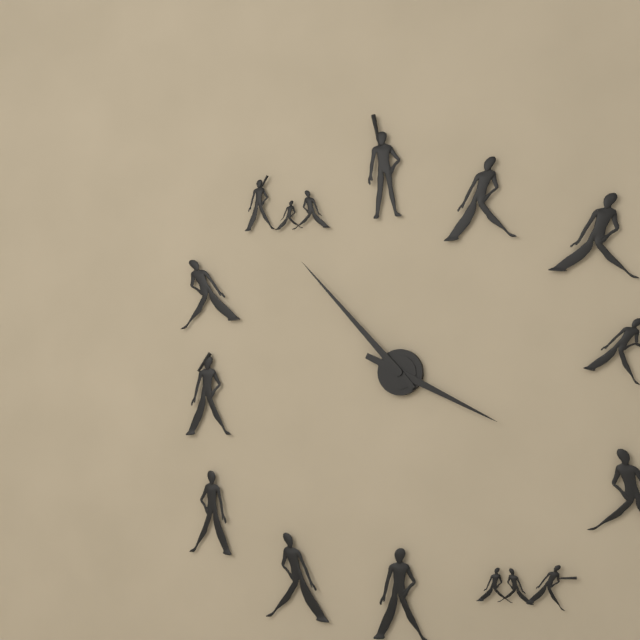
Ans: {"hour": 3, "minute": 53}
